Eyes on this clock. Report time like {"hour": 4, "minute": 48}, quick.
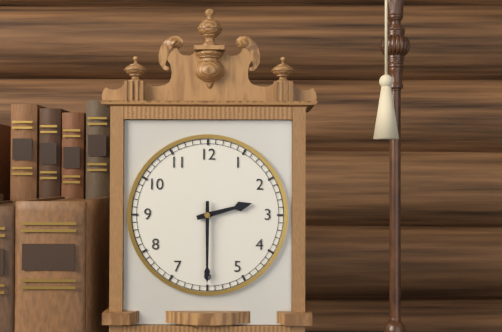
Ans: {"hour": 2, "minute": 30}
